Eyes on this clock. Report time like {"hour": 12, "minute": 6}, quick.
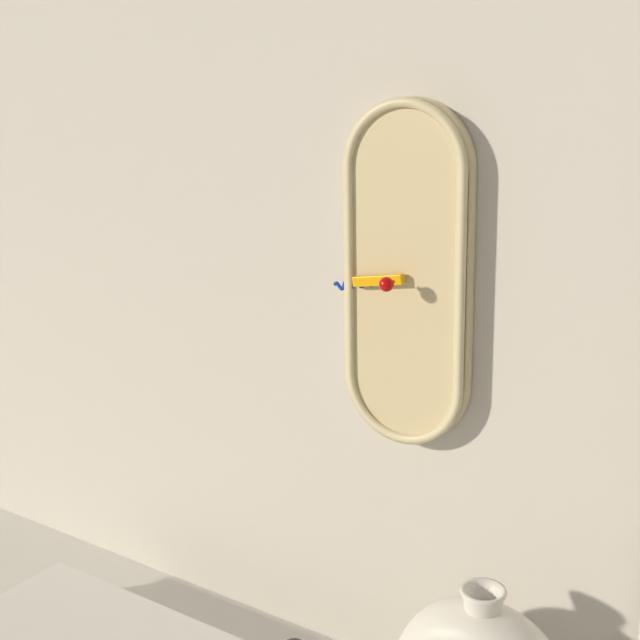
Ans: {"hour": 8, "minute": 43}
